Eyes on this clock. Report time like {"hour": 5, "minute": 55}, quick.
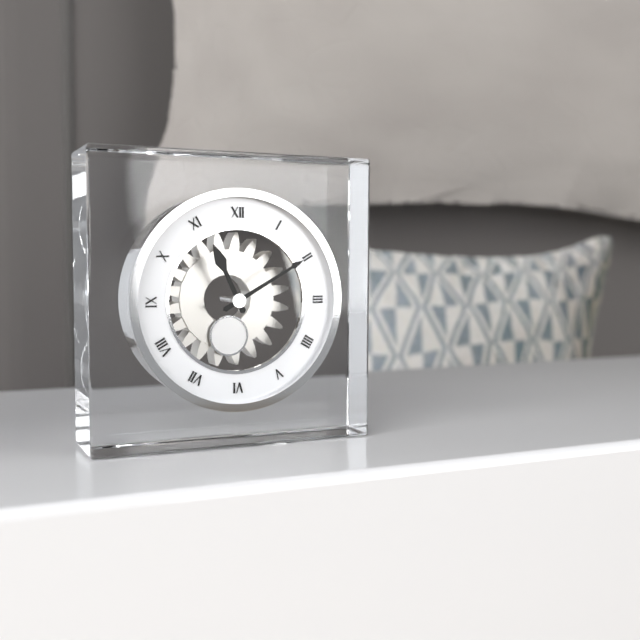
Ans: {"hour": 11, "minute": 10}
